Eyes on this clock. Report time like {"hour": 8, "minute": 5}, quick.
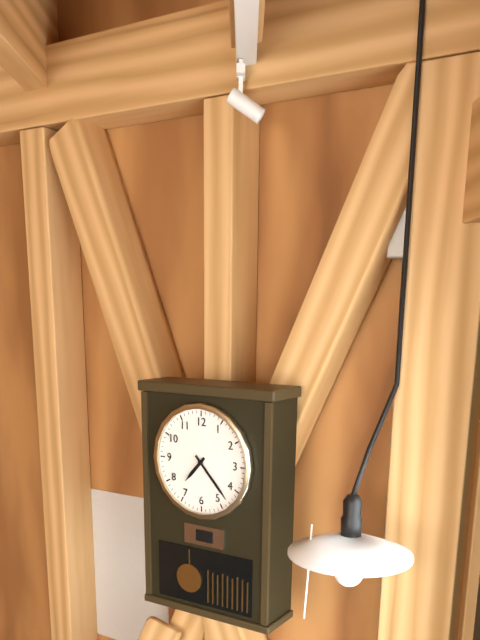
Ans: {"hour": 7, "minute": 23}
